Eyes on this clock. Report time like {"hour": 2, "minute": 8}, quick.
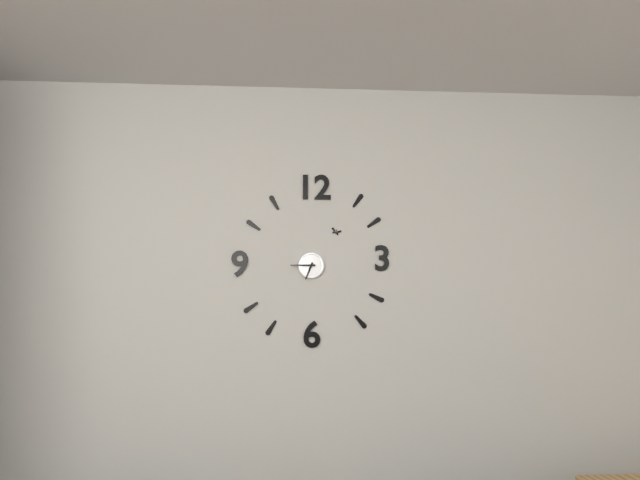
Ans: {"hour": 6, "minute": 45}
